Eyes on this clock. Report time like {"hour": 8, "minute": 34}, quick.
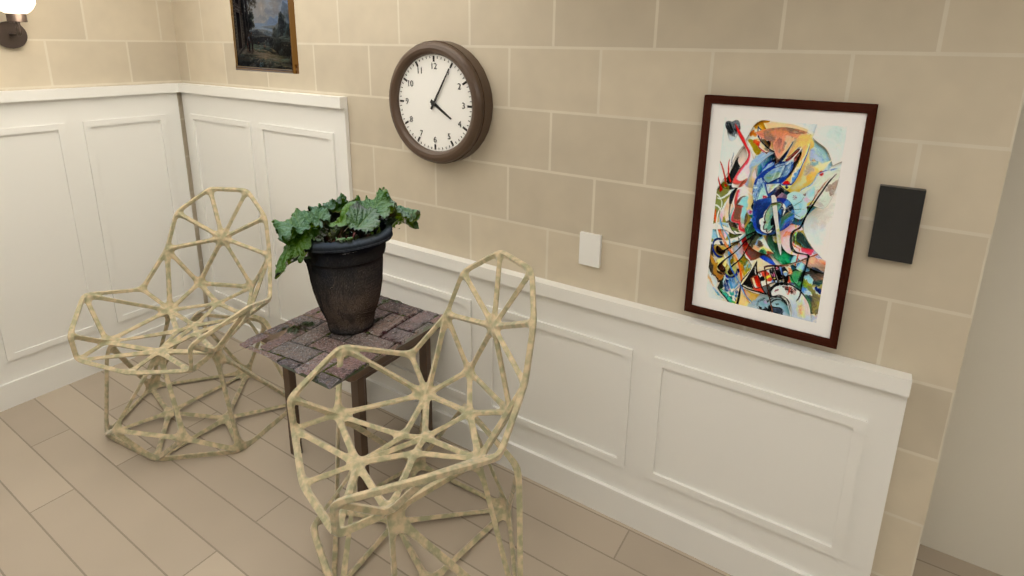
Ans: {"hour": 4, "minute": 5}
